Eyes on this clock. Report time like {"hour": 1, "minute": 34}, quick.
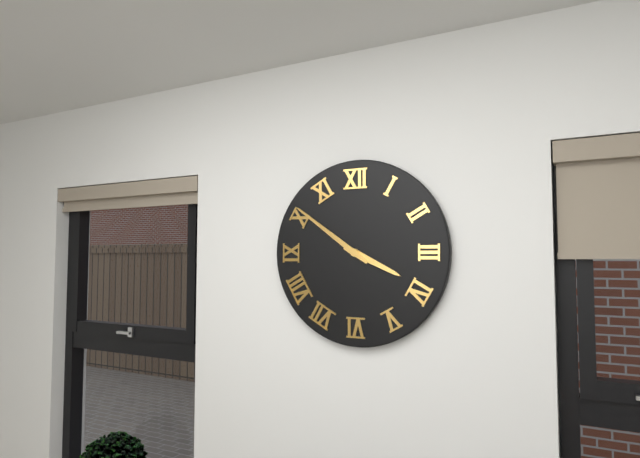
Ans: {"hour": 3, "minute": 51}
